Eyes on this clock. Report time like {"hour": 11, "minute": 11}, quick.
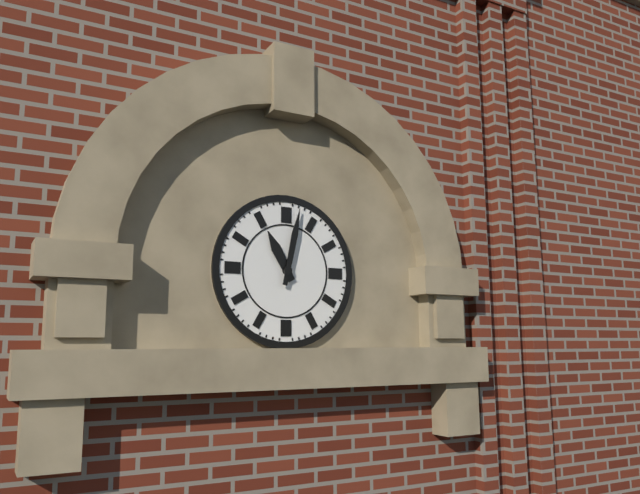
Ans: {"hour": 11, "minute": 2}
